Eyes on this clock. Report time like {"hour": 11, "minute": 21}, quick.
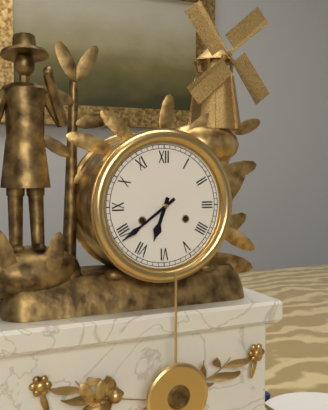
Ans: {"hour": 6, "minute": 39}
